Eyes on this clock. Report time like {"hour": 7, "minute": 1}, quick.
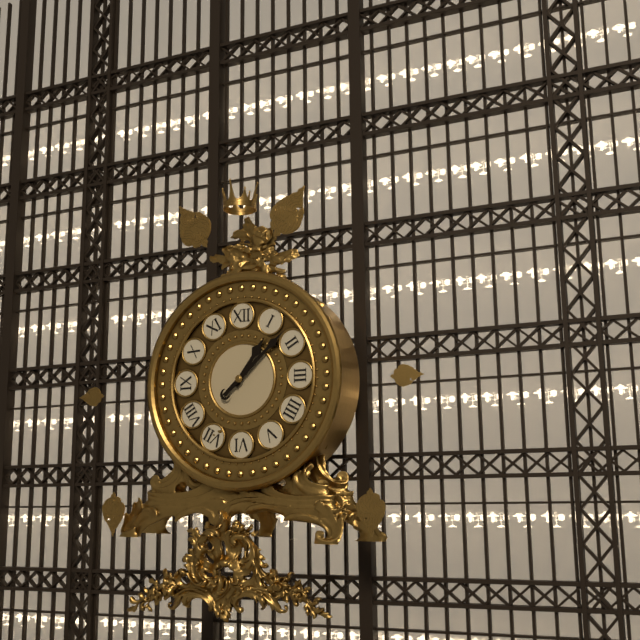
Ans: {"hour": 1, "minute": 8}
